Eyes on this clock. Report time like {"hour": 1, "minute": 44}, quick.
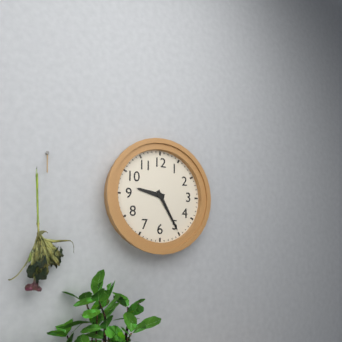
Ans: {"hour": 9, "minute": 25}
